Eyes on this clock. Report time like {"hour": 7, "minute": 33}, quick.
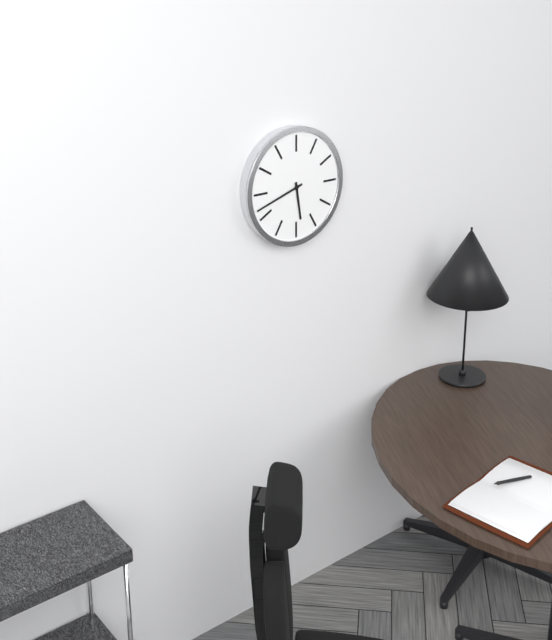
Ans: {"hour": 5, "minute": 42}
